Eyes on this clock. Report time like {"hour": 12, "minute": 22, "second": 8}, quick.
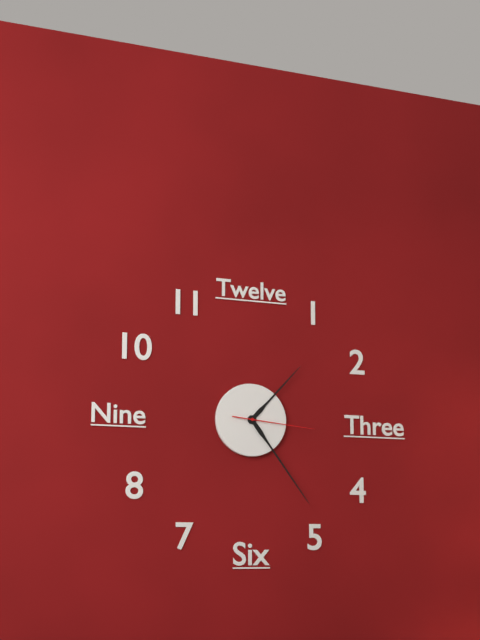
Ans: {"hour": 1, "minute": 24, "second": 16}
